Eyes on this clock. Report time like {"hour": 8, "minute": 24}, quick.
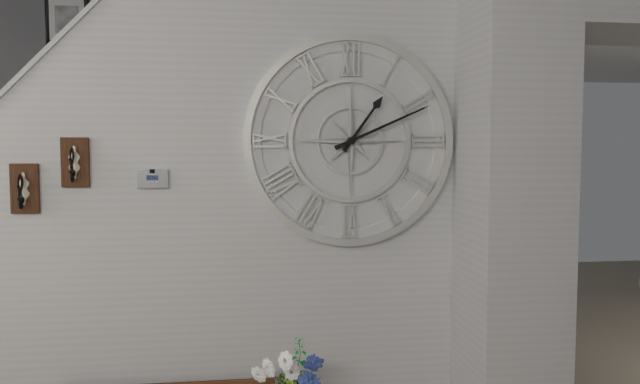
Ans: {"hour": 1, "minute": 11}
